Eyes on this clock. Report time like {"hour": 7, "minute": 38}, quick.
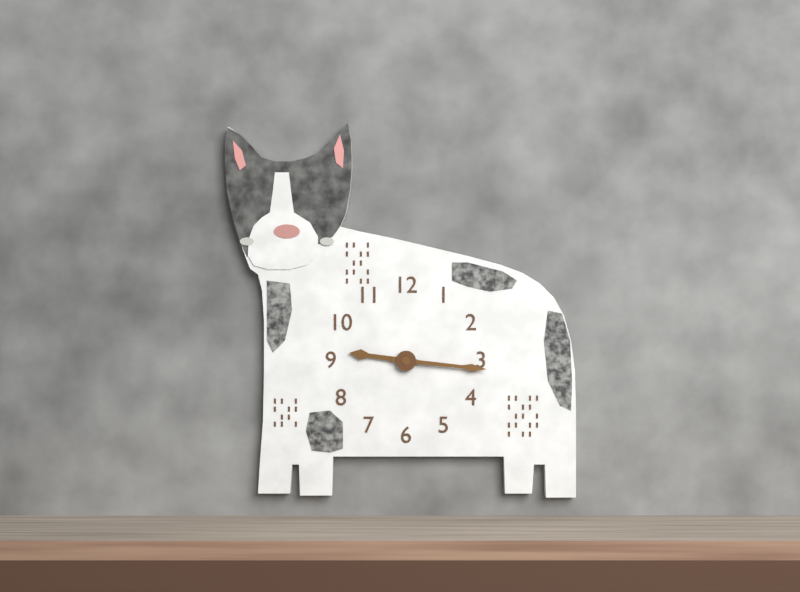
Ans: {"hour": 9, "minute": 16}
